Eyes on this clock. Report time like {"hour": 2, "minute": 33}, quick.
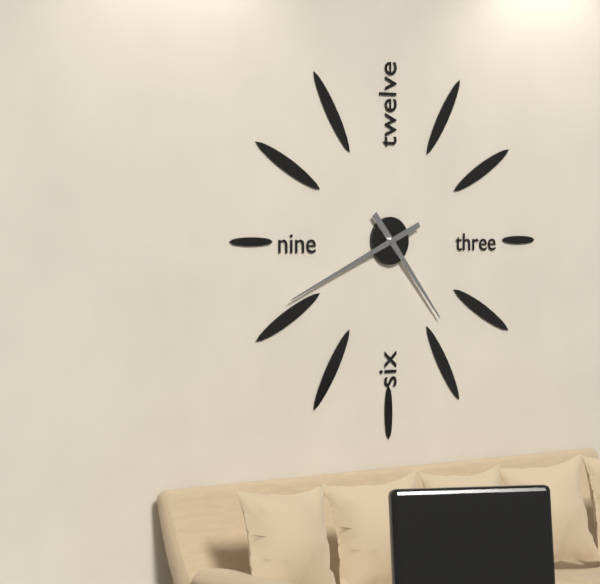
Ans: {"hour": 4, "minute": 41}
